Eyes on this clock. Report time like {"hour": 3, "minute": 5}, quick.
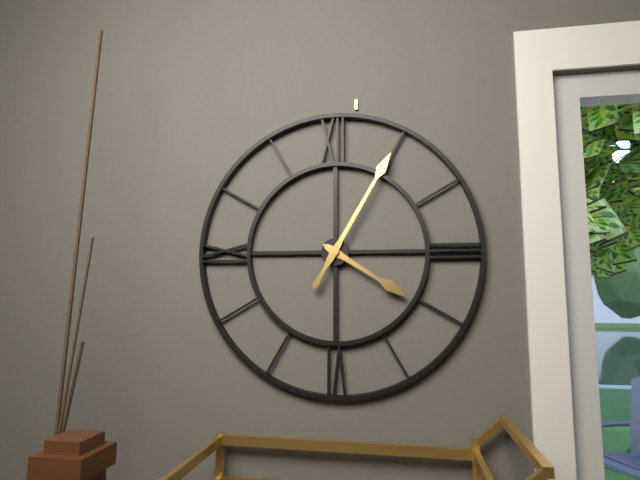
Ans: {"hour": 4, "minute": 5}
